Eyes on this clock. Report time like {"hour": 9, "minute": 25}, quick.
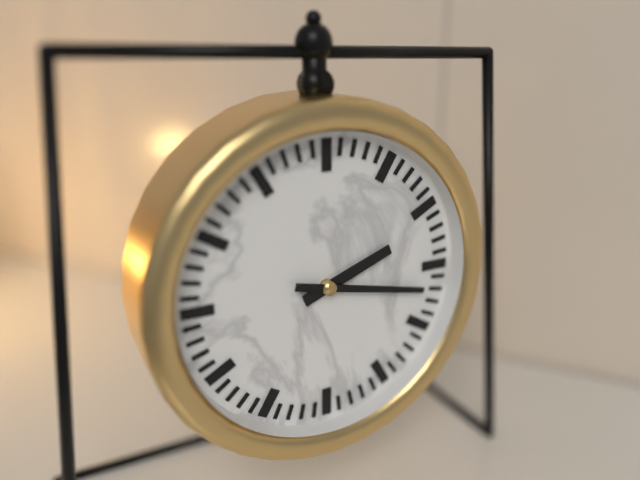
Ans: {"hour": 2, "minute": 17}
